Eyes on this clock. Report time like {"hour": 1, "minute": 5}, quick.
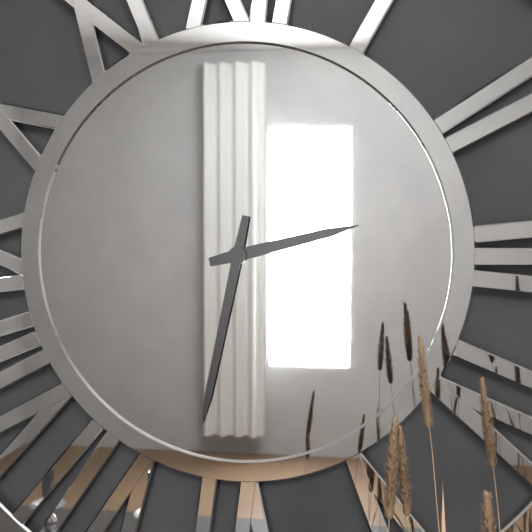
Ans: {"hour": 2, "minute": 32}
